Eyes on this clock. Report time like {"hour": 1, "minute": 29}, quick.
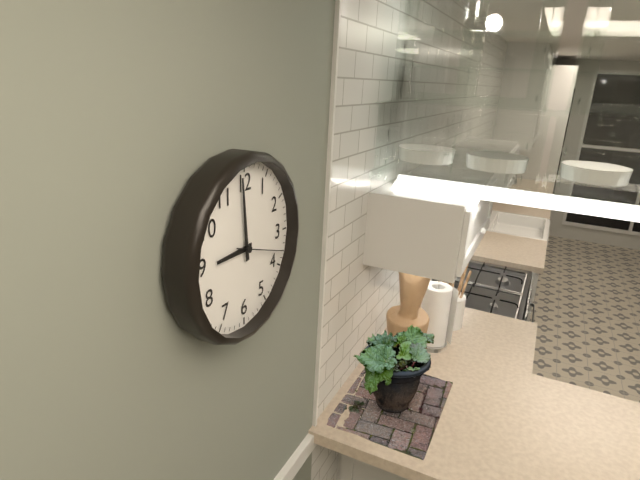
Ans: {"hour": 8, "minute": 59}
